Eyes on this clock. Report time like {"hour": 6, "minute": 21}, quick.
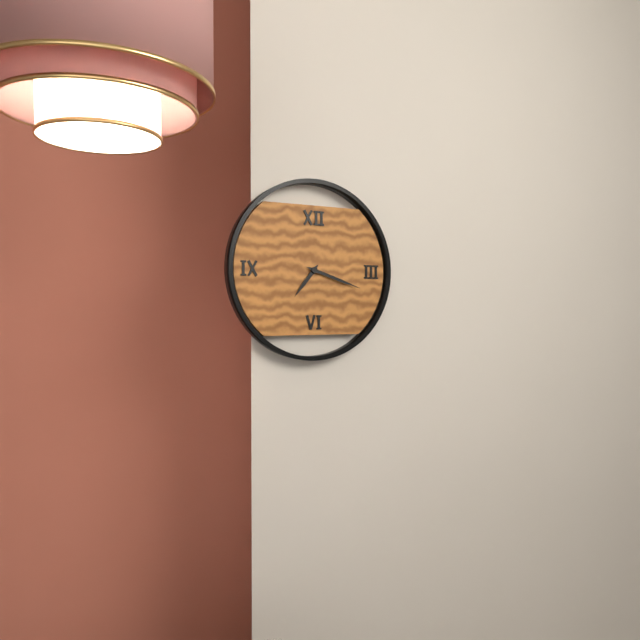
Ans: {"hour": 7, "minute": 18}
